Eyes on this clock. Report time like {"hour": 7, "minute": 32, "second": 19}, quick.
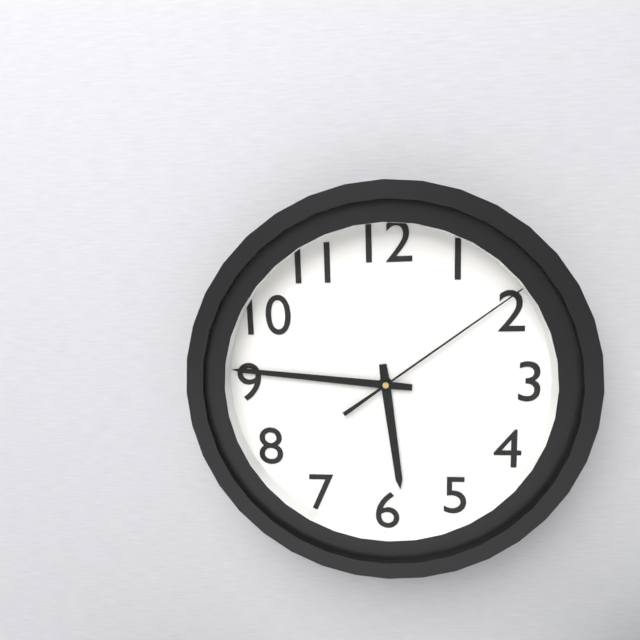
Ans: {"hour": 5, "minute": 46, "second": 9}
